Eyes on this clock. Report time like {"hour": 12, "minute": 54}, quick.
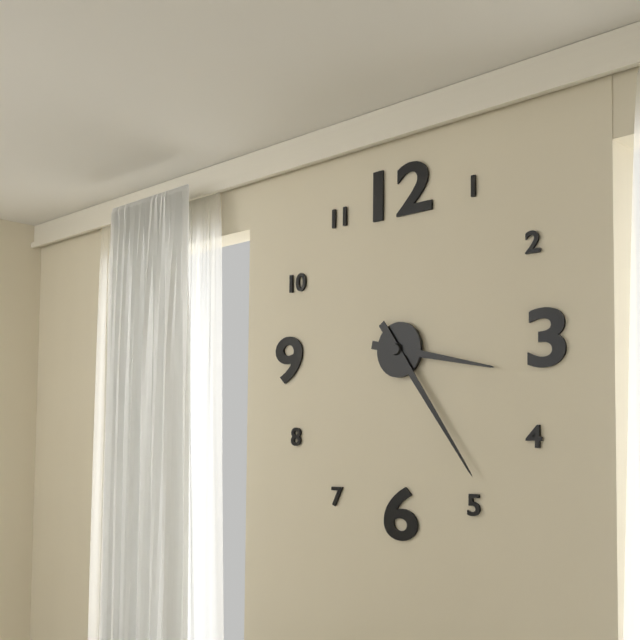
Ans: {"hour": 3, "minute": 24}
